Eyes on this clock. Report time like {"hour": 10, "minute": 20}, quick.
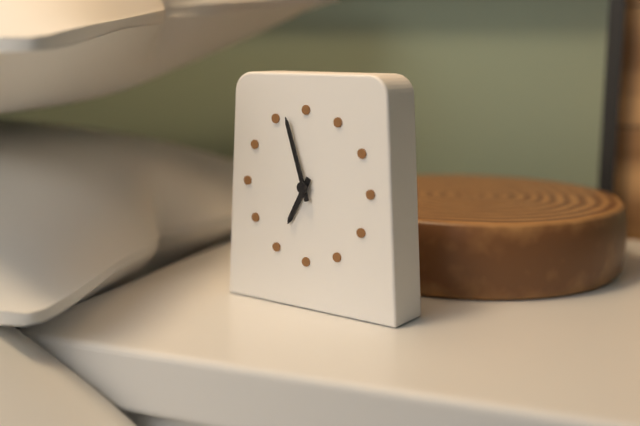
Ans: {"hour": 6, "minute": 57}
